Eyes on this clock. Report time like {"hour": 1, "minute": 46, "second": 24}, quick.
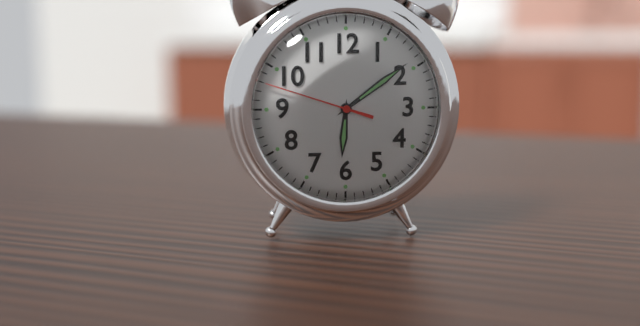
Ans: {"hour": 6, "minute": 9, "second": 48}
